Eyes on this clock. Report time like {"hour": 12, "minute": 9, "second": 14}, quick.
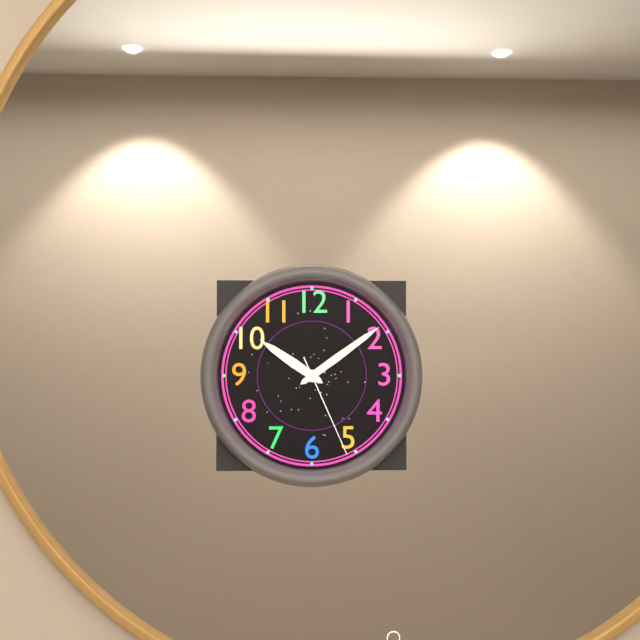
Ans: {"hour": 10, "minute": 9, "second": 26}
